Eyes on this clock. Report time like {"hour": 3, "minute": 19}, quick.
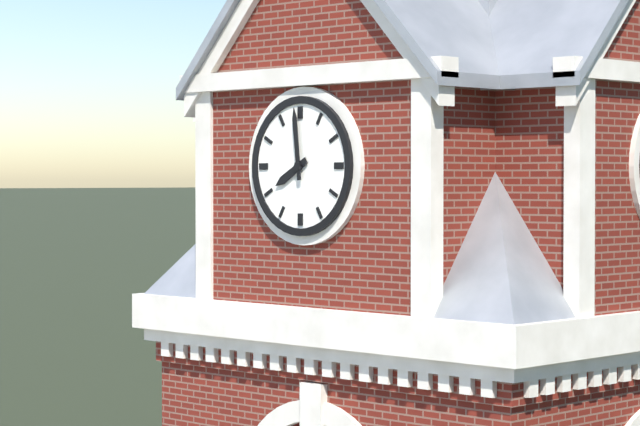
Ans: {"hour": 7, "minute": 59}
